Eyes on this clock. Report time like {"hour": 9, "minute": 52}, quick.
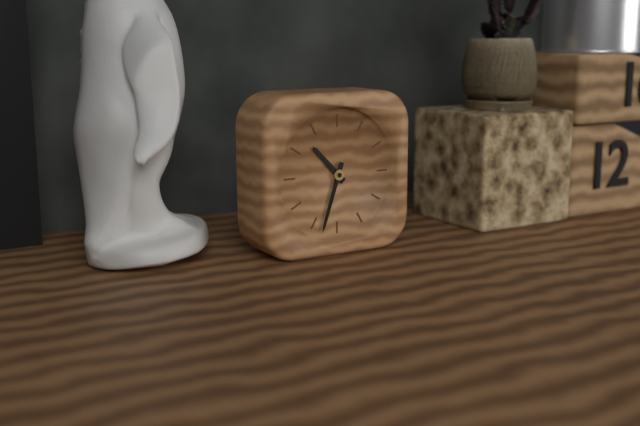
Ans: {"hour": 10, "minute": 33}
